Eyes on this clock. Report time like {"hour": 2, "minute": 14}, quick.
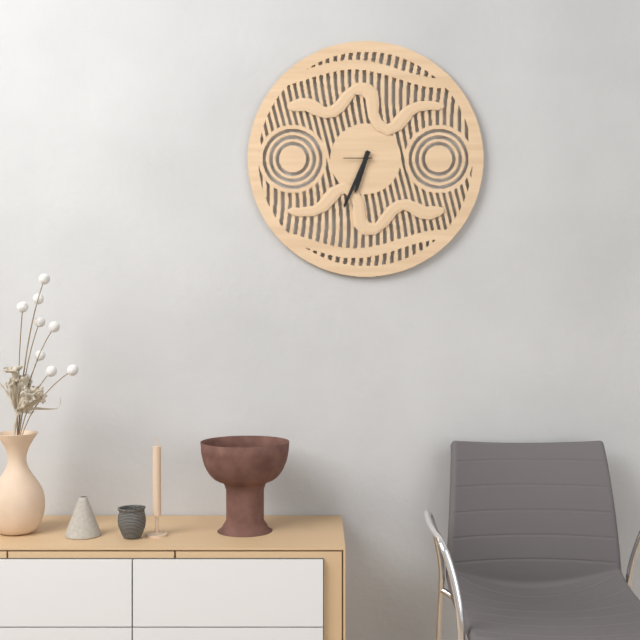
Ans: {"hour": 6, "minute": 34}
